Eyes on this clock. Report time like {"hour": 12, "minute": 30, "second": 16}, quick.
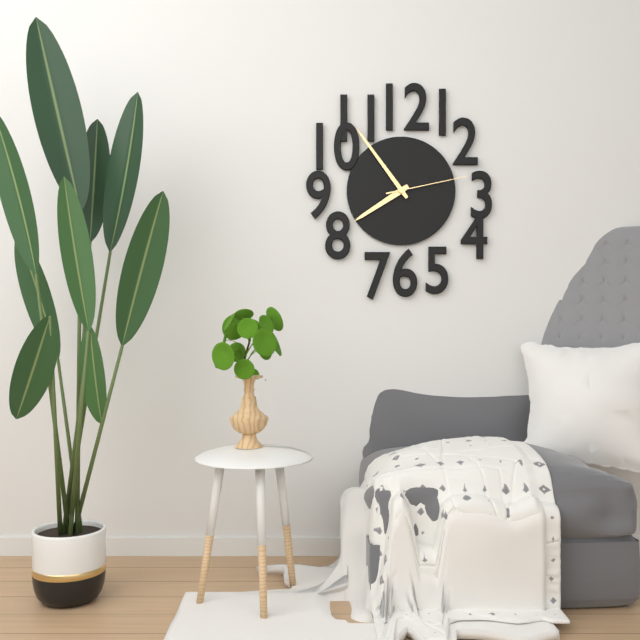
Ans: {"hour": 7, "minute": 54, "second": 13}
